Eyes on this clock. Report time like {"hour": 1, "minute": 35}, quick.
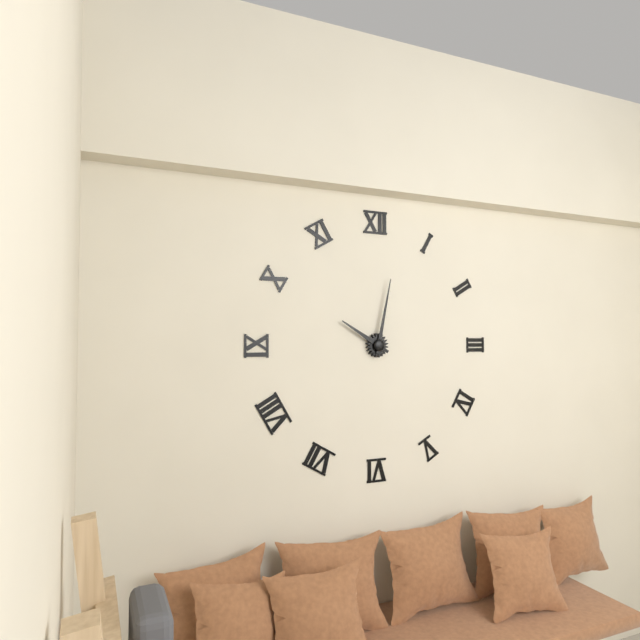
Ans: {"hour": 10, "minute": 2}
